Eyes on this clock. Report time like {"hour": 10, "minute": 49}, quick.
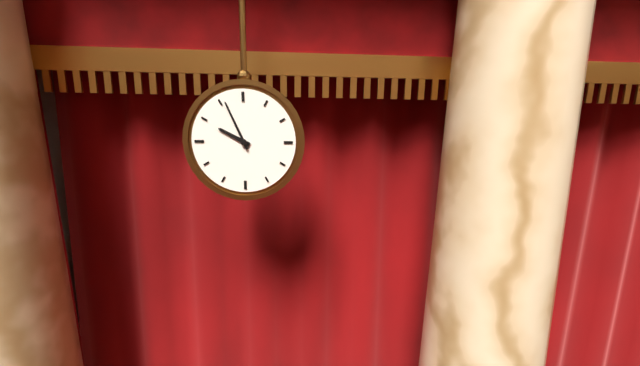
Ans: {"hour": 9, "minute": 56}
